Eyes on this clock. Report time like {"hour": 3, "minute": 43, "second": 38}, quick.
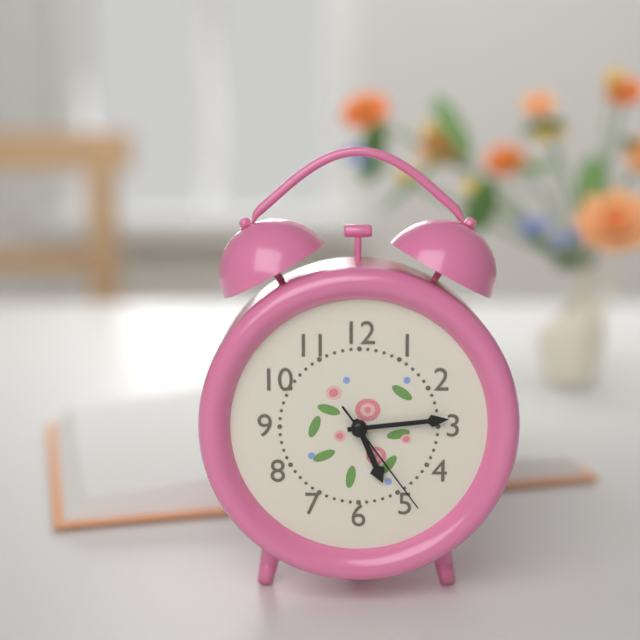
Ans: {"hour": 5, "minute": 14, "second": 24}
